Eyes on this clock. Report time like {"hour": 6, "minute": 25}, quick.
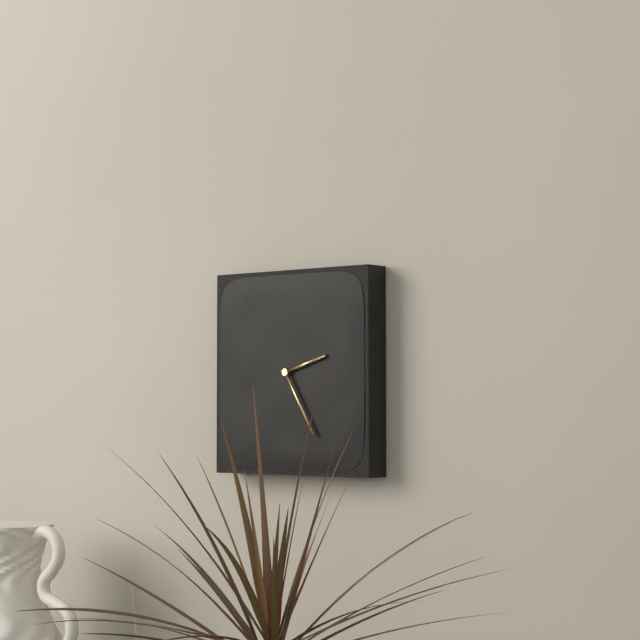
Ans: {"hour": 2, "minute": 25}
